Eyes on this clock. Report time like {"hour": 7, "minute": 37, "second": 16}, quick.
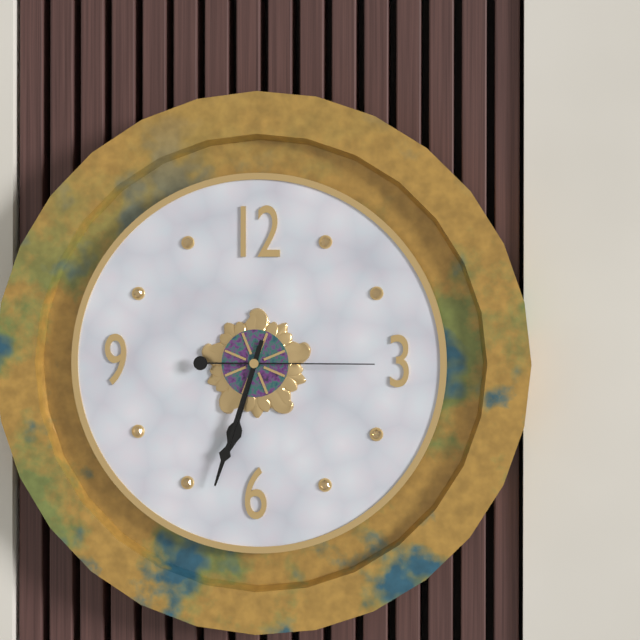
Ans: {"hour": 6, "minute": 33, "second": 15}
